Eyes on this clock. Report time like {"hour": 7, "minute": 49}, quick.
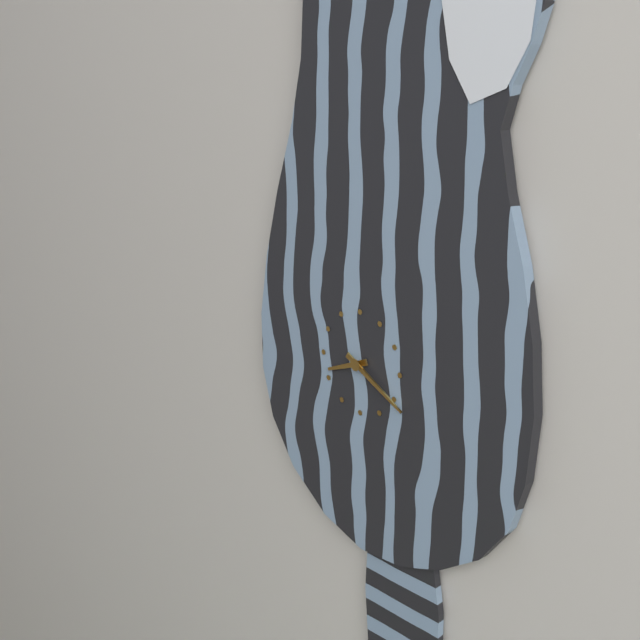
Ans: {"hour": 8, "minute": 20}
